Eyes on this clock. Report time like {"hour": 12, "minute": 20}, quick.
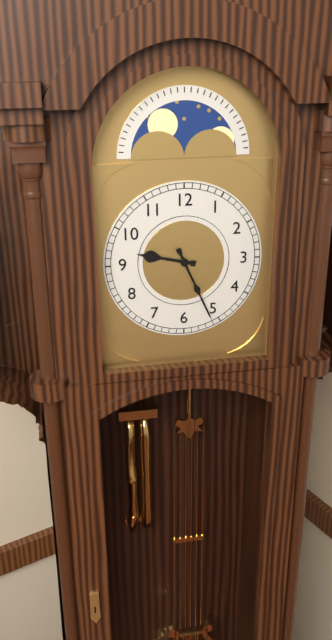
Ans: {"hour": 9, "minute": 26}
